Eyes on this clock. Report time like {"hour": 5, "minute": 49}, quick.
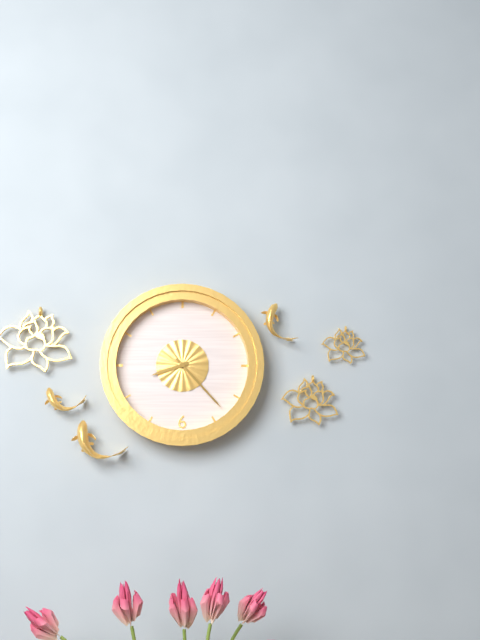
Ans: {"hour": 8, "minute": 23}
